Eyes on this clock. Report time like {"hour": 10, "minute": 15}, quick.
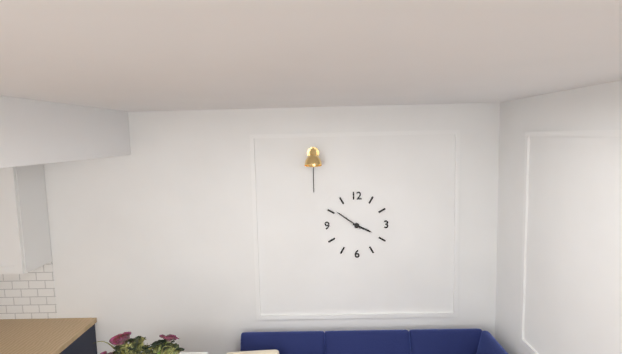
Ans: {"hour": 3, "minute": 51}
